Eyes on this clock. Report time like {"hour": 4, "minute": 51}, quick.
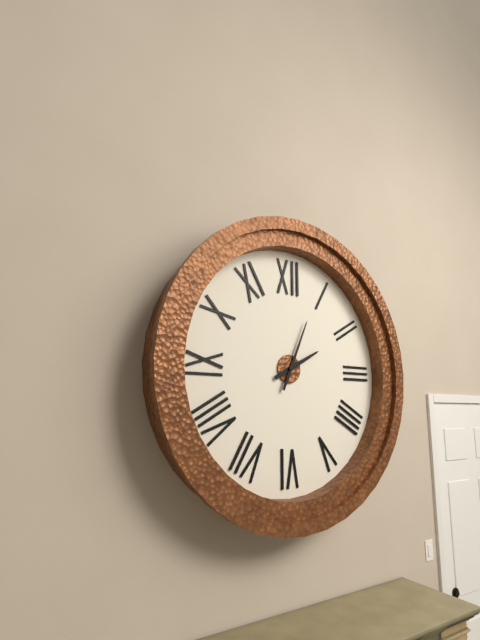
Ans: {"hour": 2, "minute": 4}
